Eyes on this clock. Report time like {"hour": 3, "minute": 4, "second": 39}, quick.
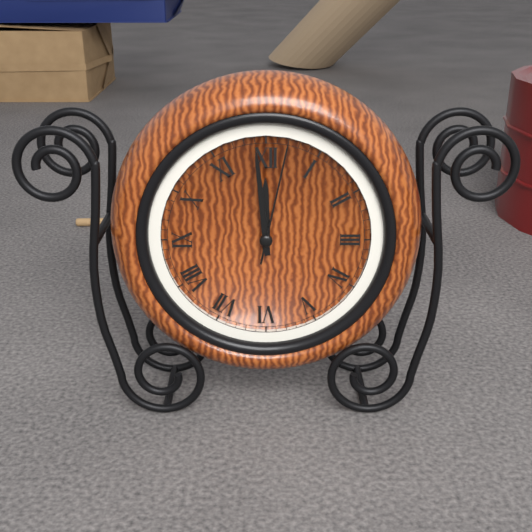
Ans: {"hour": 11, "minute": 59, "second": 2}
